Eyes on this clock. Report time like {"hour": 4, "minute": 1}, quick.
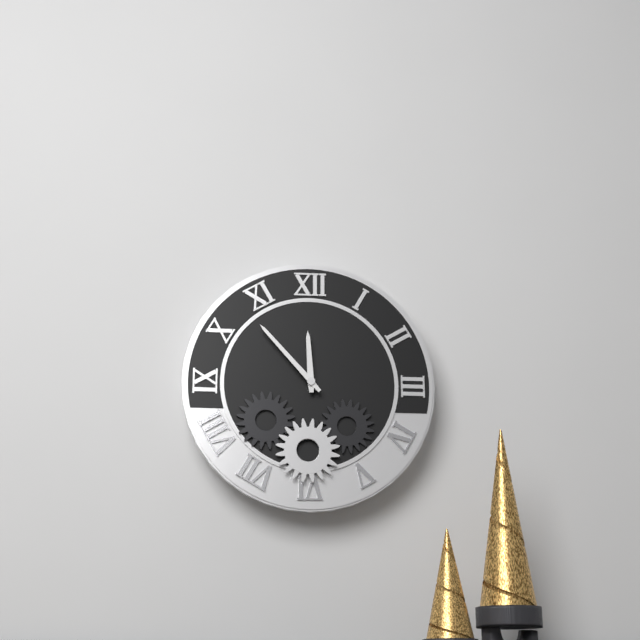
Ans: {"hour": 11, "minute": 53}
